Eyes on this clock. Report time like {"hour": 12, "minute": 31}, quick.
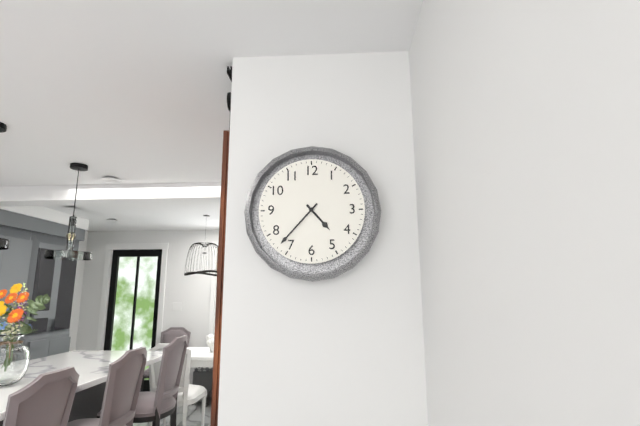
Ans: {"hour": 4, "minute": 37}
